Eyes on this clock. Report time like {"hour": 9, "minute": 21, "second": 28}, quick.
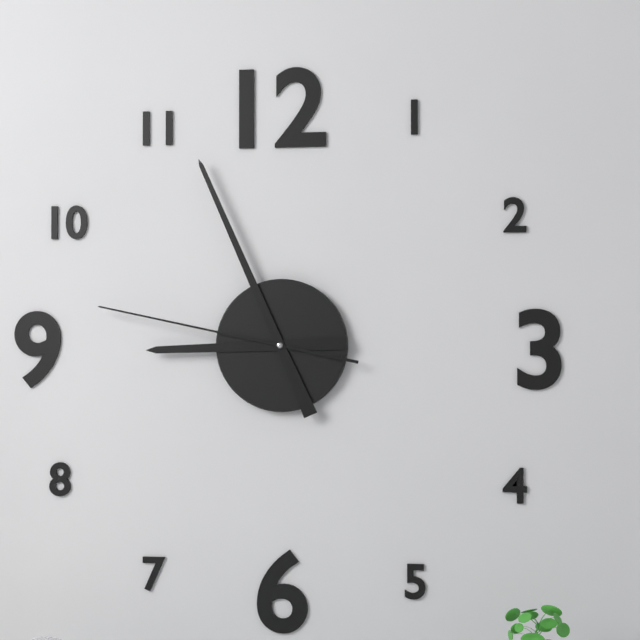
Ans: {"hour": 8, "minute": 56, "second": 47}
